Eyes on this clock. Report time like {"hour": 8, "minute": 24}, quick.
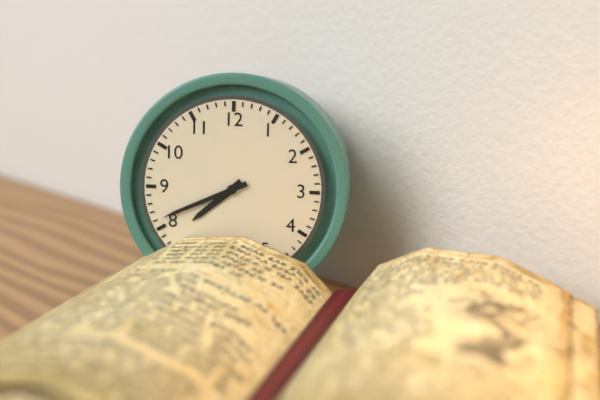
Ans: {"hour": 7, "minute": 41}
